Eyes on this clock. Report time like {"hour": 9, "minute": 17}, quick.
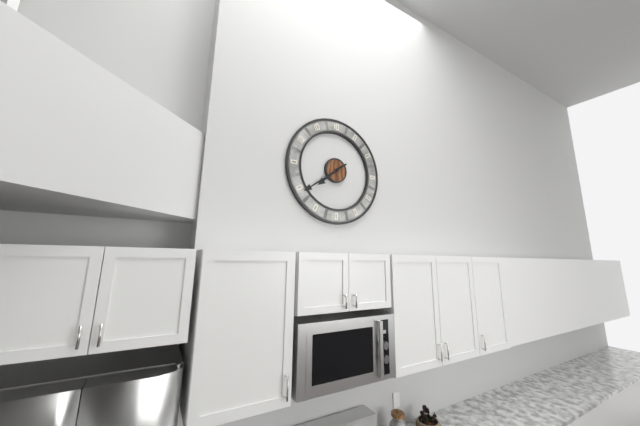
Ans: {"hour": 7, "minute": 39}
